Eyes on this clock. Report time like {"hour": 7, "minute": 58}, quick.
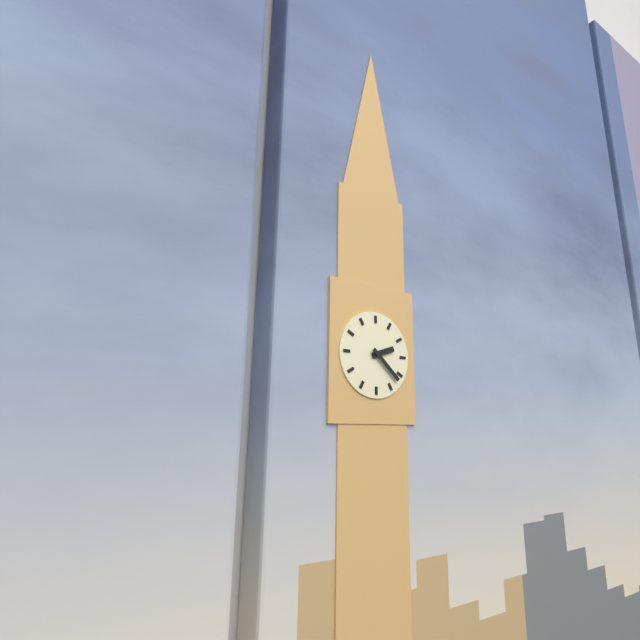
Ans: {"hour": 2, "minute": 22}
